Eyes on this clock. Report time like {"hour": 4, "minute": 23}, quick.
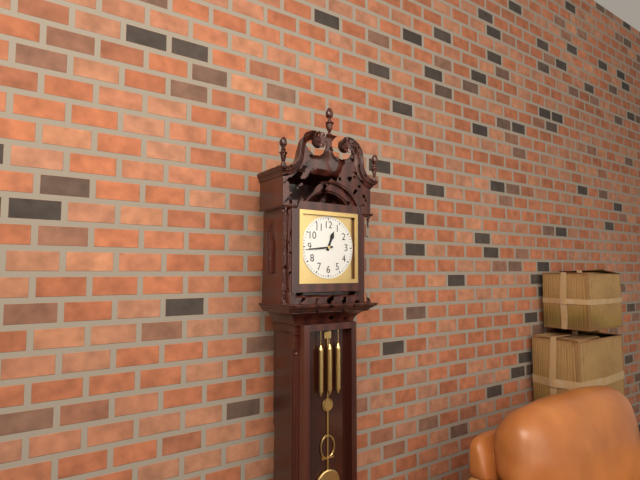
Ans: {"hour": 12, "minute": 44}
